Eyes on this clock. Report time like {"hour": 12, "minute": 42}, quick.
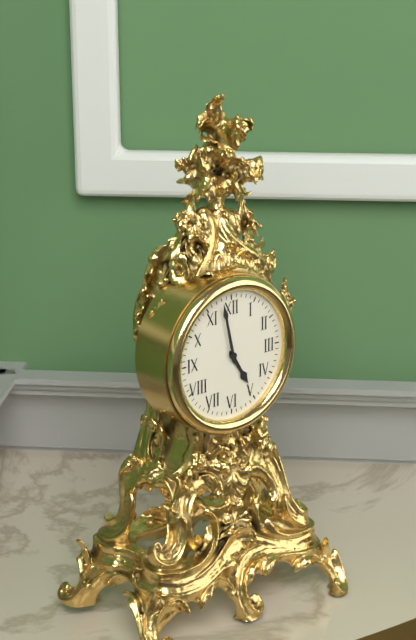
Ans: {"hour": 4, "minute": 58}
